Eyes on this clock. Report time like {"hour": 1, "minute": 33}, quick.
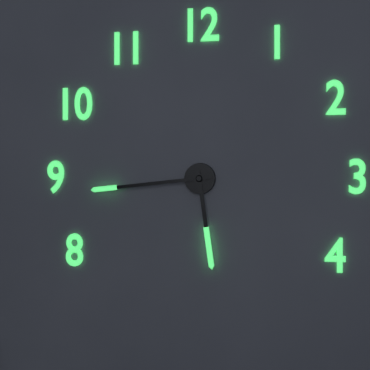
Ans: {"hour": 5, "minute": 44}
